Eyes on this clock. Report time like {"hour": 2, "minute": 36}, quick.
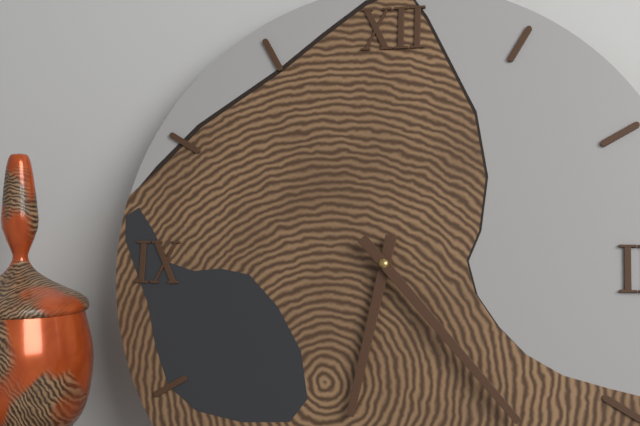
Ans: {"hour": 6, "minute": 23}
